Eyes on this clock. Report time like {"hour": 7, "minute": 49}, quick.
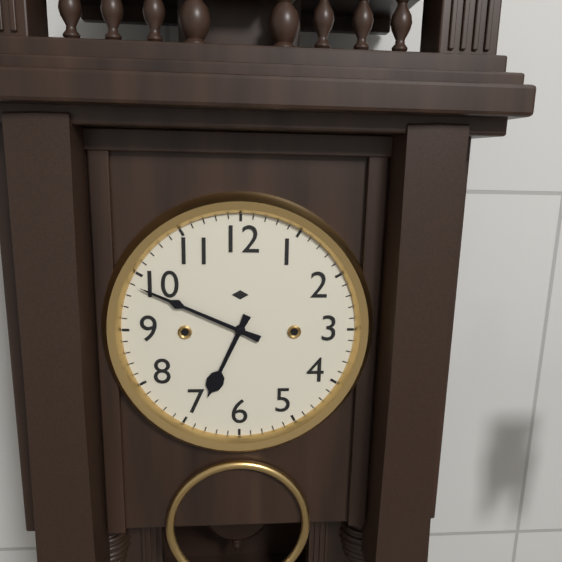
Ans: {"hour": 6, "minute": 49}
